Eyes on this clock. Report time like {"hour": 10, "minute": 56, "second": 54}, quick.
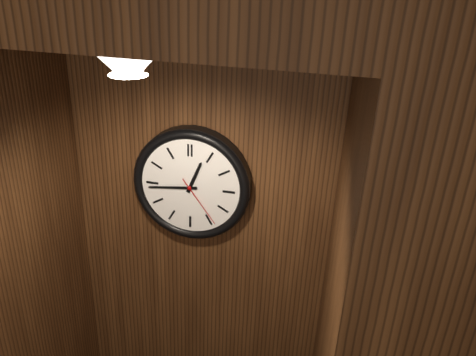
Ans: {"hour": 12, "minute": 44, "second": 24}
